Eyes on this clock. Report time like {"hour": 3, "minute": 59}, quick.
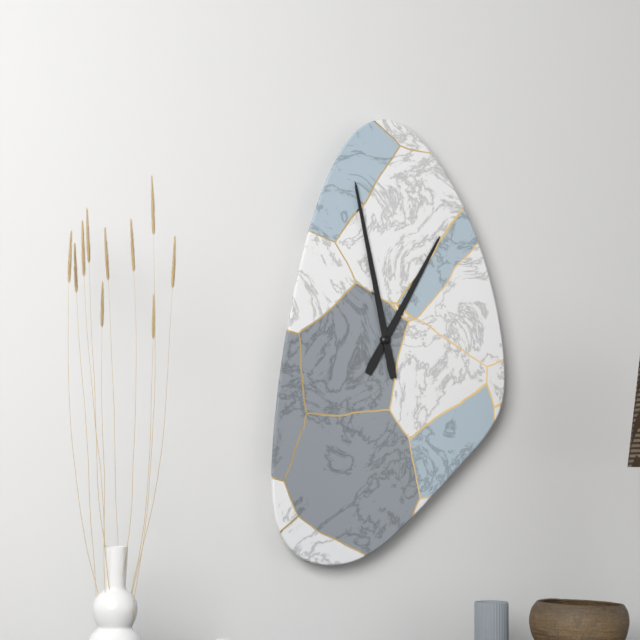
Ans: {"hour": 12, "minute": 58}
